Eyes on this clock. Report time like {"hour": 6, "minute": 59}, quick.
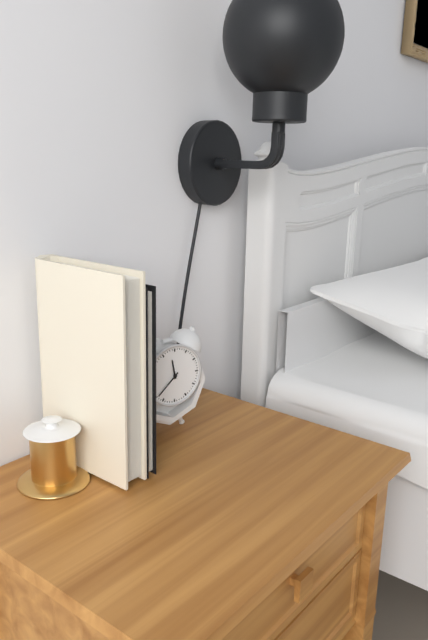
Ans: {"hour": 11, "minute": 38}
